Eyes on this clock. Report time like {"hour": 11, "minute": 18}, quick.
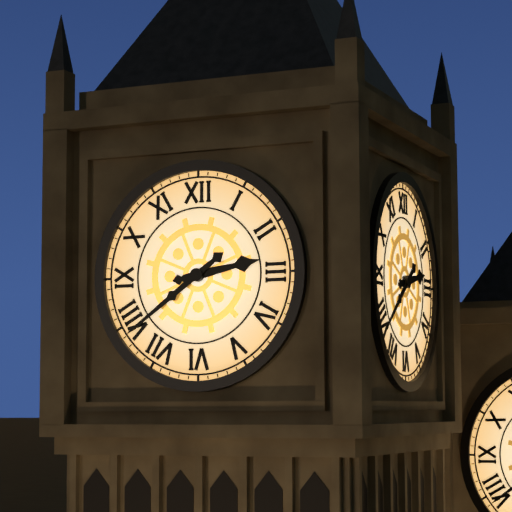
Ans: {"hour": 2, "minute": 39}
